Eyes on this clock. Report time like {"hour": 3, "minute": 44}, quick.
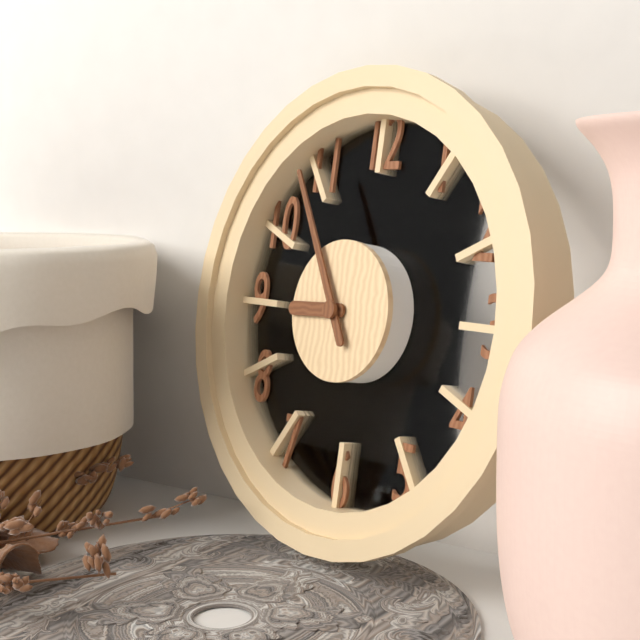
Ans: {"hour": 8, "minute": 55}
